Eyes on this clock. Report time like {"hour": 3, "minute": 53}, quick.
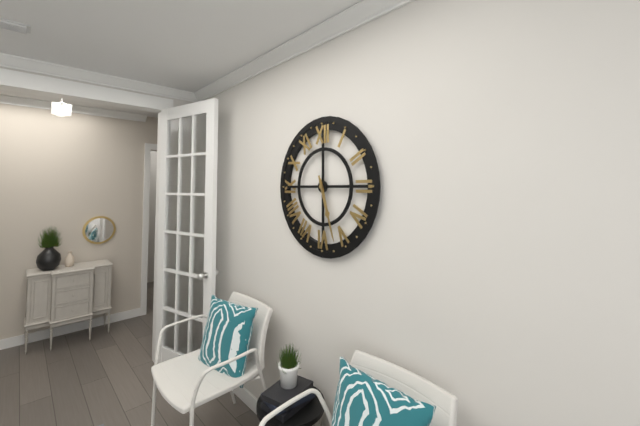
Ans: {"hour": 5, "minute": 27}
